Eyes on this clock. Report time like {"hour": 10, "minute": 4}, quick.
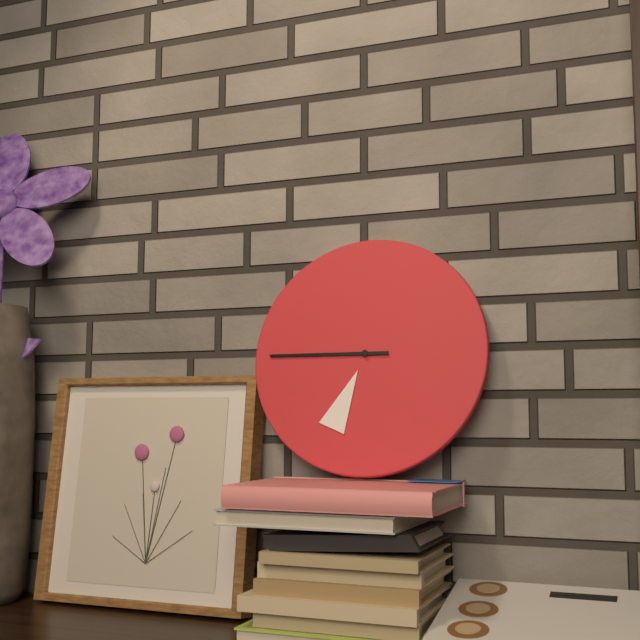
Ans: {"hour": 6, "minute": 45}
